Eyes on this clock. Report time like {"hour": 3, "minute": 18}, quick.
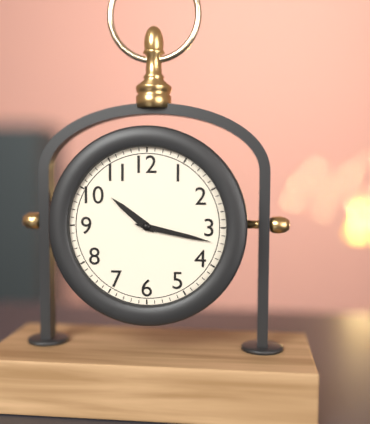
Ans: {"hour": 10, "minute": 17}
